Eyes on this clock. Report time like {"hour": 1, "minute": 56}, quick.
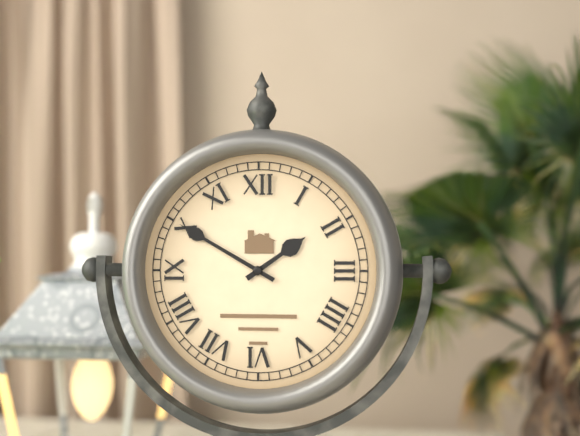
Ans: {"hour": 1, "minute": 50}
